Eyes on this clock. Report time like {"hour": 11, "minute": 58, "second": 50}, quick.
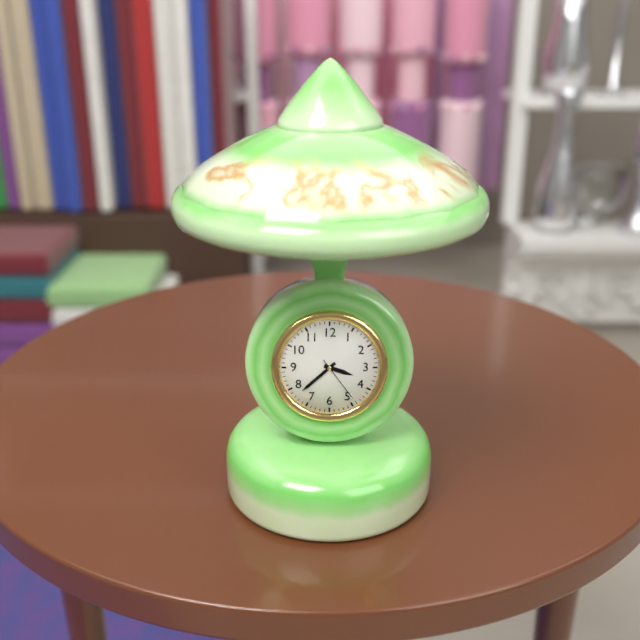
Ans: {"hour": 3, "minute": 38, "second": 24}
